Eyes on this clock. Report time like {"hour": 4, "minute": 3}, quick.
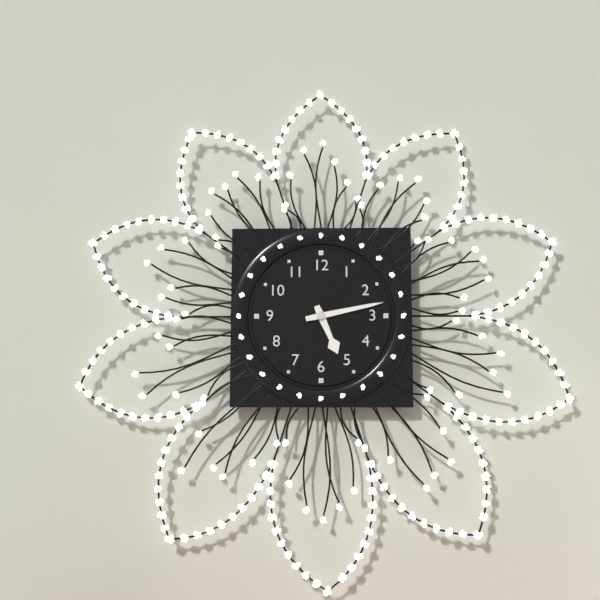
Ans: {"hour": 5, "minute": 13}
